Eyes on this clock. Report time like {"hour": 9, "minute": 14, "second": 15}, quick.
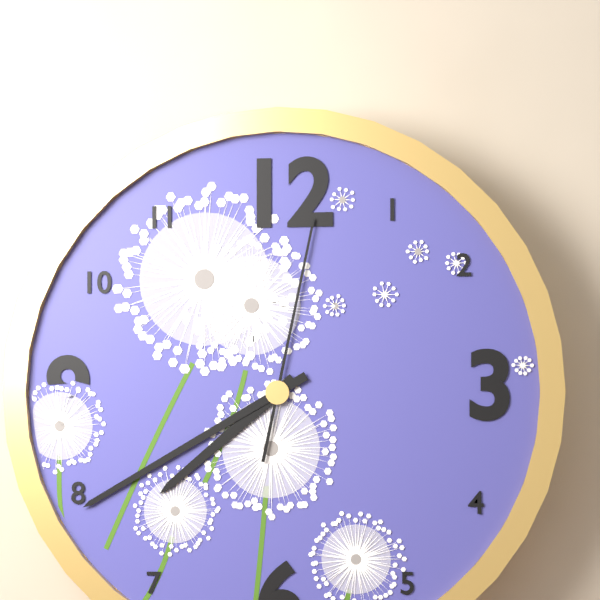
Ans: {"hour": 7, "minute": 40, "second": 2}
